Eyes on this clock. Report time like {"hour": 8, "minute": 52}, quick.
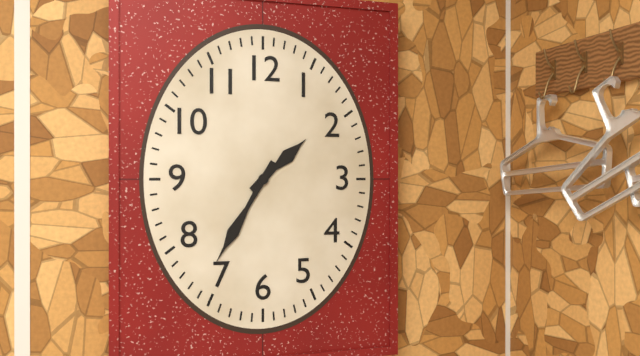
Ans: {"hour": 1, "minute": 35}
